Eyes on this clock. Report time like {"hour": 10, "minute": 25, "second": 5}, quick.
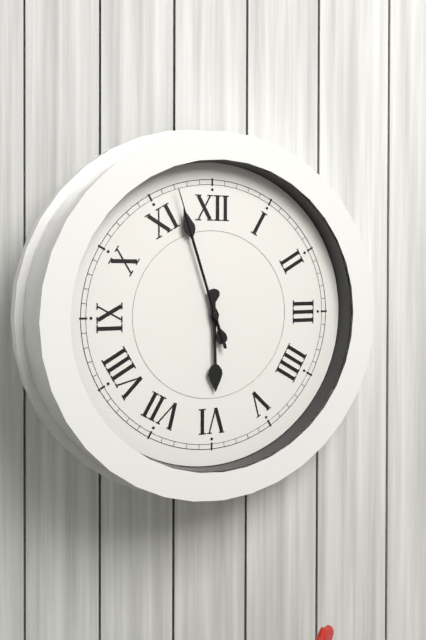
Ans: {"hour": 5, "minute": 57, "second": 57}
